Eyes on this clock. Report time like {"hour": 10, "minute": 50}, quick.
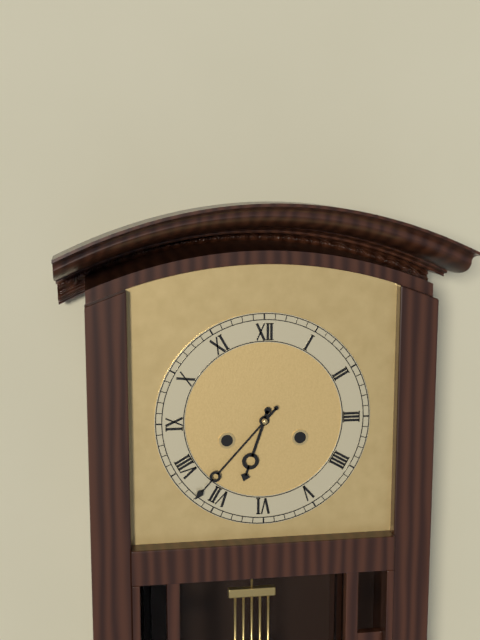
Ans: {"hour": 6, "minute": 37}
